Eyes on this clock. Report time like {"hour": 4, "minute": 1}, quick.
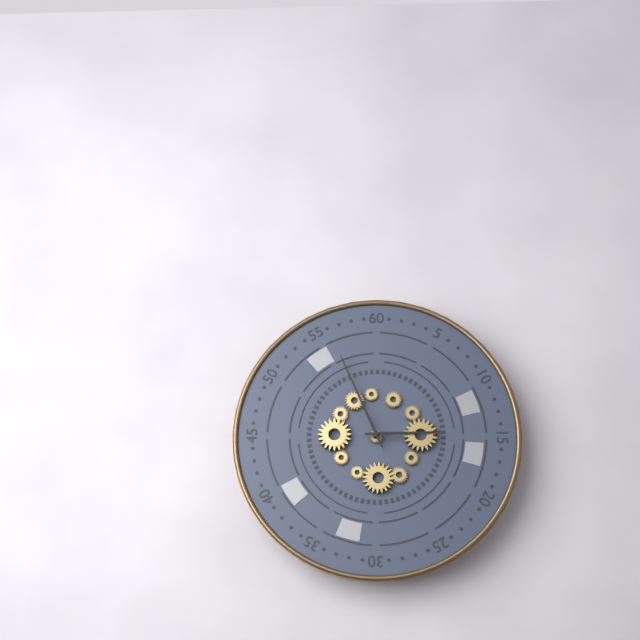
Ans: {"hour": 2, "minute": 56}
